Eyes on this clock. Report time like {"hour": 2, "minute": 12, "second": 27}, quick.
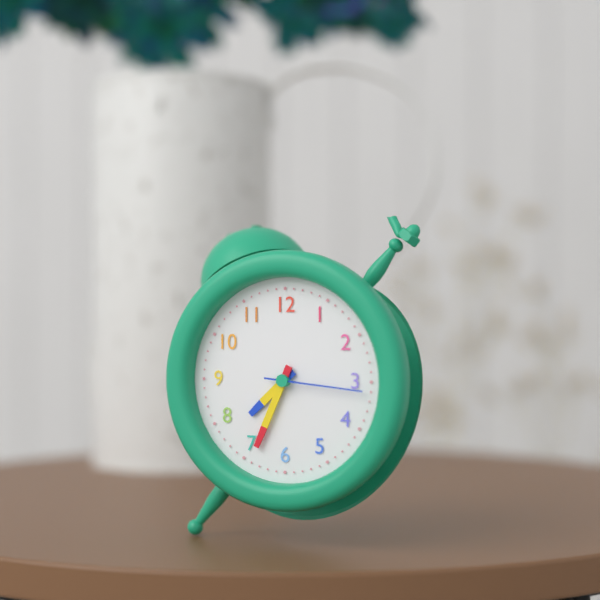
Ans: {"hour": 7, "minute": 34, "second": 16}
